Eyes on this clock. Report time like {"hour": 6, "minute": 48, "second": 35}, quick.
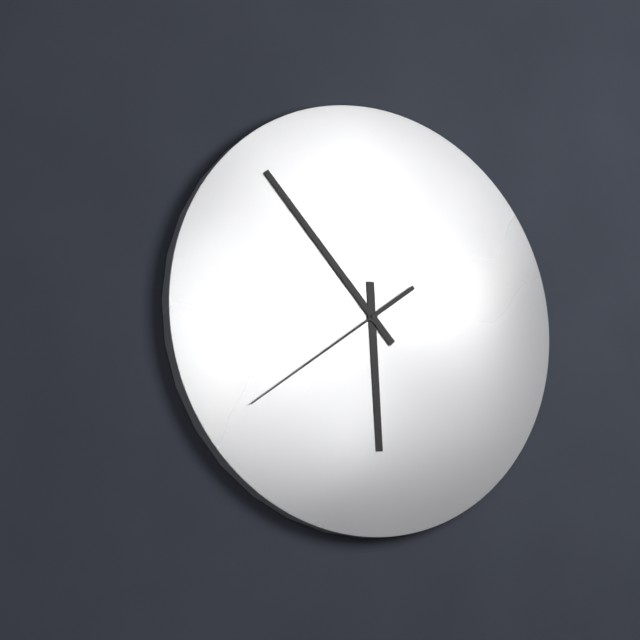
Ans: {"hour": 5, "minute": 53, "second": 39}
